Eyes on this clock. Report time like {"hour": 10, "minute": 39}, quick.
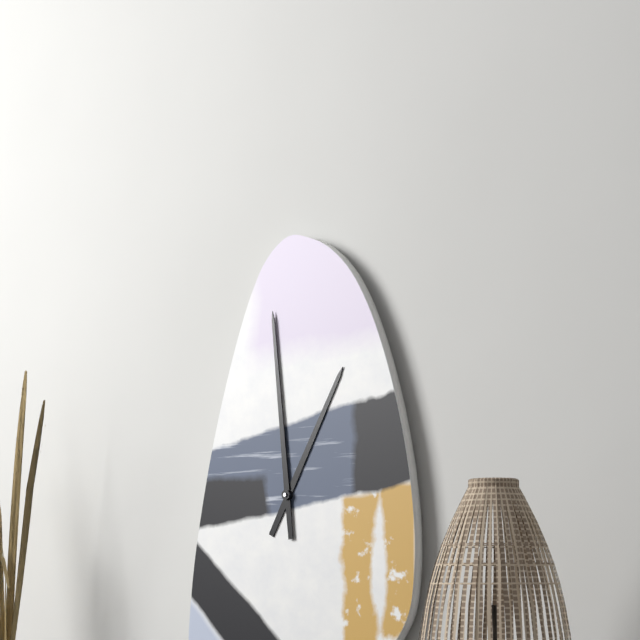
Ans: {"hour": 12, "minute": 59}
